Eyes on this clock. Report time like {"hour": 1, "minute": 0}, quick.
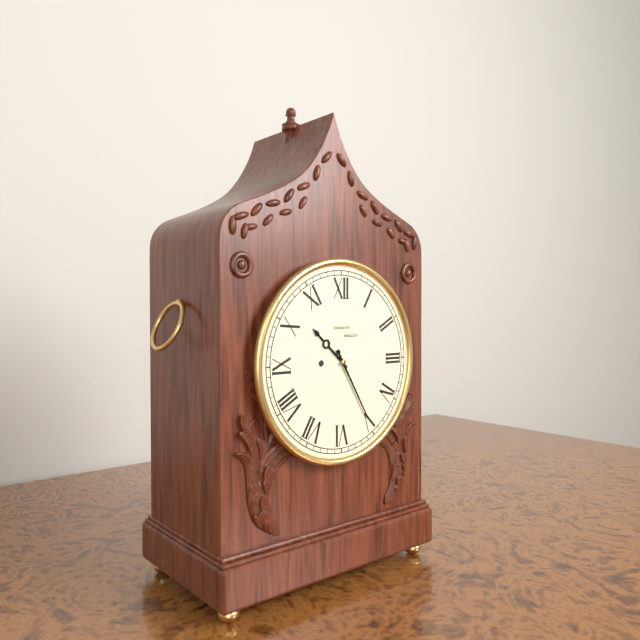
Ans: {"hour": 10, "minute": 25}
